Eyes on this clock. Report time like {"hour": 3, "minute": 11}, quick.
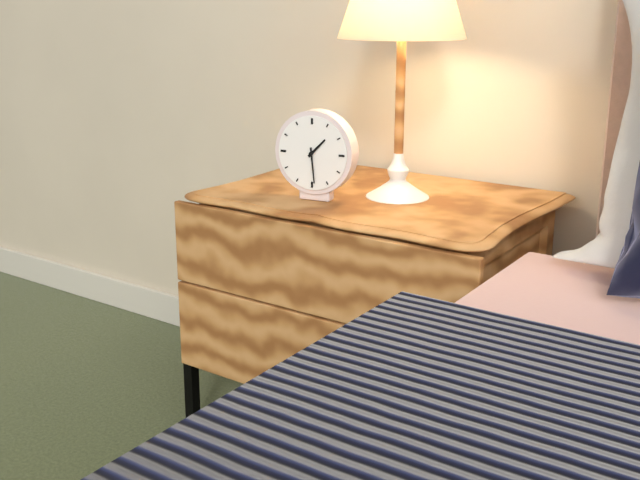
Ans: {"hour": 1, "minute": 29}
